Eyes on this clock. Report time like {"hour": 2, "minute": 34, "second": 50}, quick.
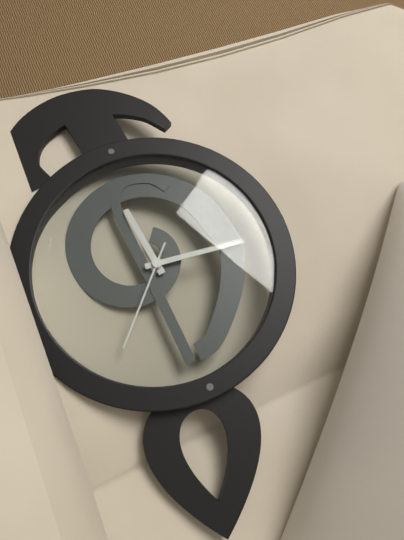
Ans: {"hour": 5, "minute": 46, "second": 7}
